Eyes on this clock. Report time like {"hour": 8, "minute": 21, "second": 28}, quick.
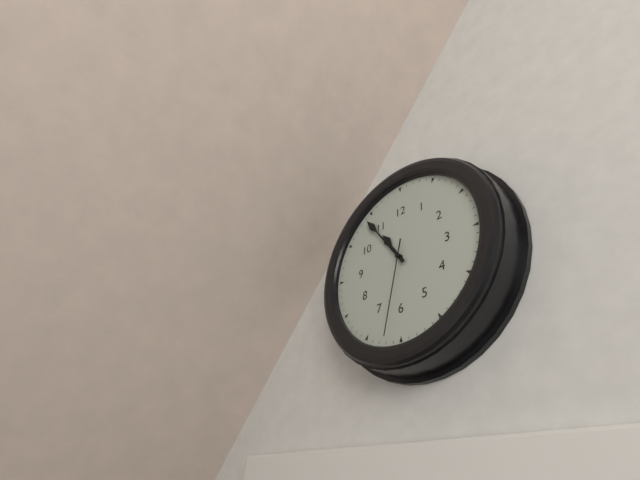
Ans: {"hour": 10, "minute": 54, "second": 32}
